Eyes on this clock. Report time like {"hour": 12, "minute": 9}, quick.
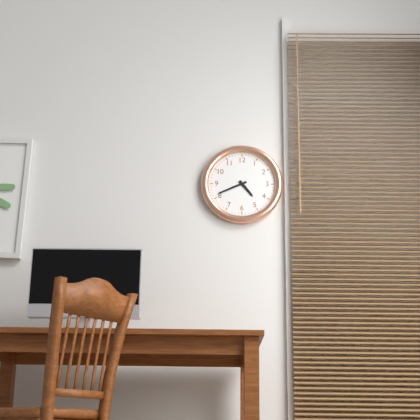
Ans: {"hour": 4, "minute": 41}
